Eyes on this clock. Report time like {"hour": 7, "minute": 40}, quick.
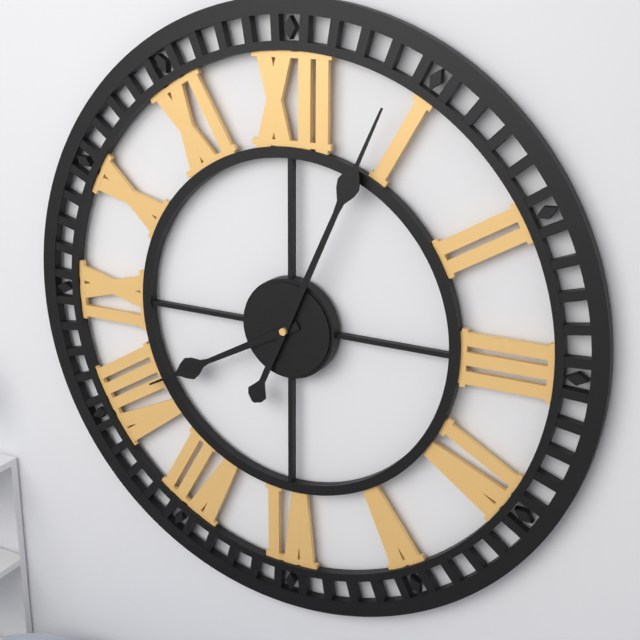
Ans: {"hour": 8, "minute": 4}
